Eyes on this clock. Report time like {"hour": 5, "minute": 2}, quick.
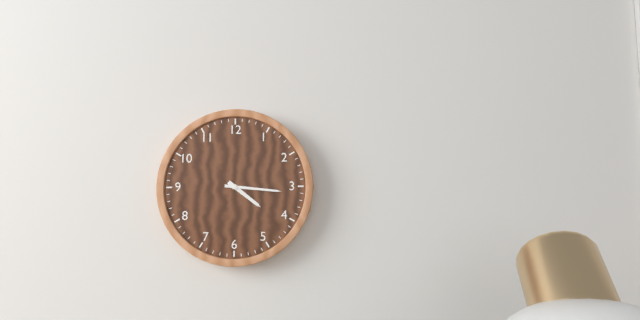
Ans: {"hour": 4, "minute": 16}
